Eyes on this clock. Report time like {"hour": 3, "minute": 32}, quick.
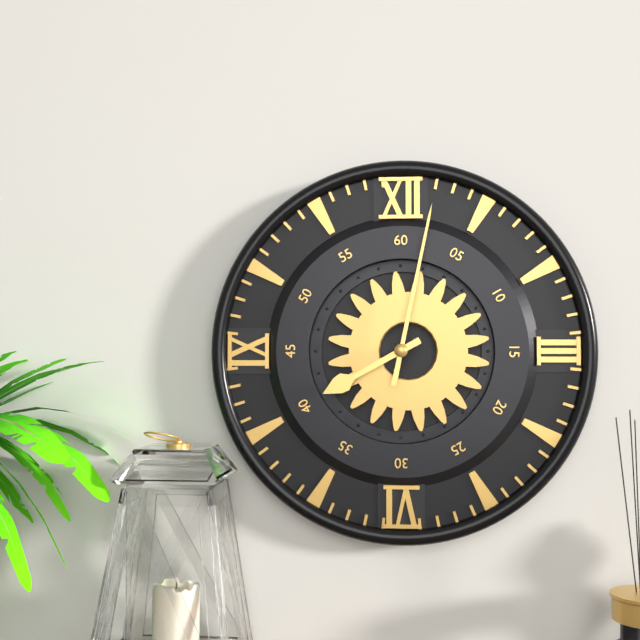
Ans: {"hour": 8, "minute": 2}
